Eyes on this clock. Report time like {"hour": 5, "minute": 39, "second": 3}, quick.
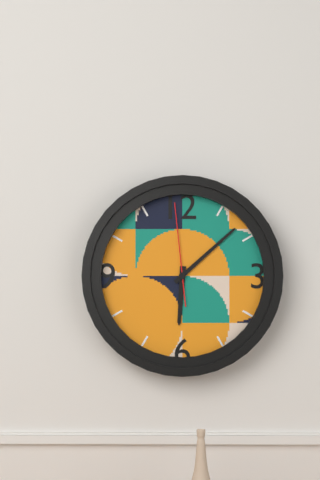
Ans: {"hour": 6, "minute": 8, "second": 59}
